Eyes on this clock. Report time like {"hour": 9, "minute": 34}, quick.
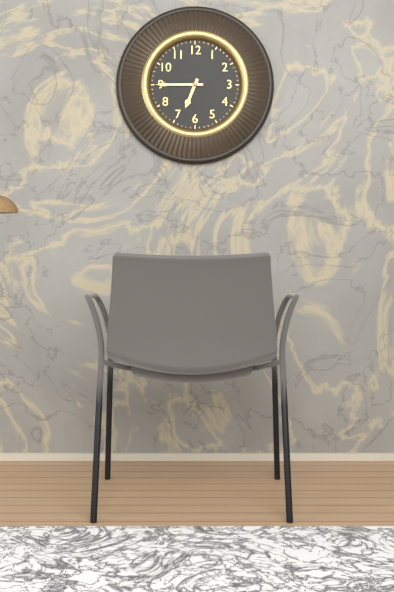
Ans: {"hour": 6, "minute": 45}
